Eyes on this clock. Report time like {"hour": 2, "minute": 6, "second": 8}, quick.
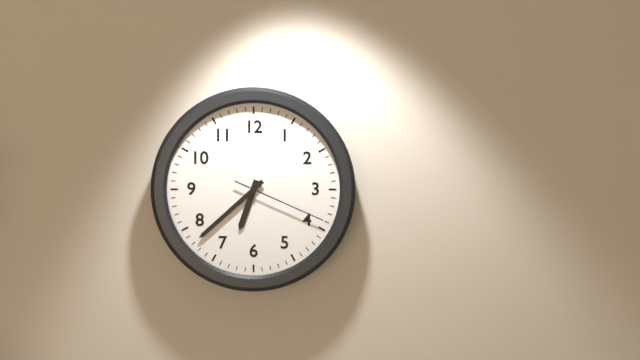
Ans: {"hour": 6, "minute": 38, "second": 19}
